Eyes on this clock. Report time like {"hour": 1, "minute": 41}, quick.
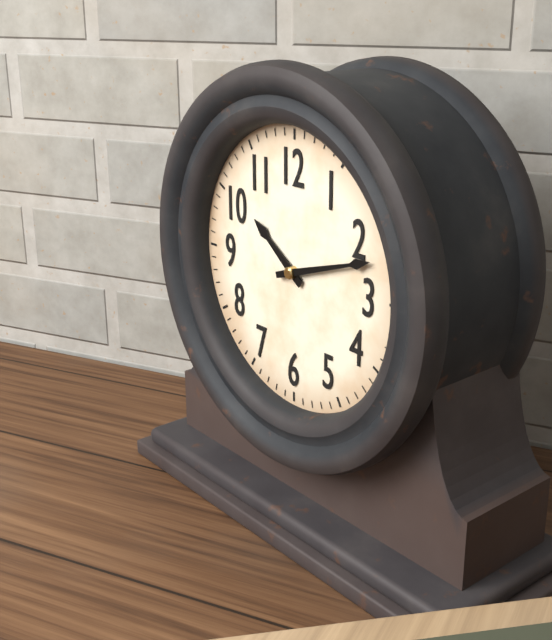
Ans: {"hour": 10, "minute": 12}
